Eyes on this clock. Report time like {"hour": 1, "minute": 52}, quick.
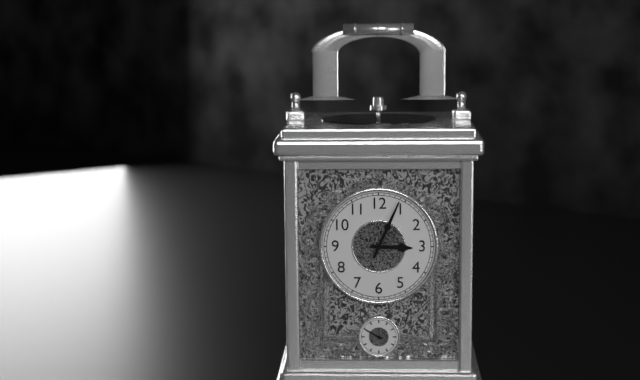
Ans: {"hour": 3, "minute": 4}
